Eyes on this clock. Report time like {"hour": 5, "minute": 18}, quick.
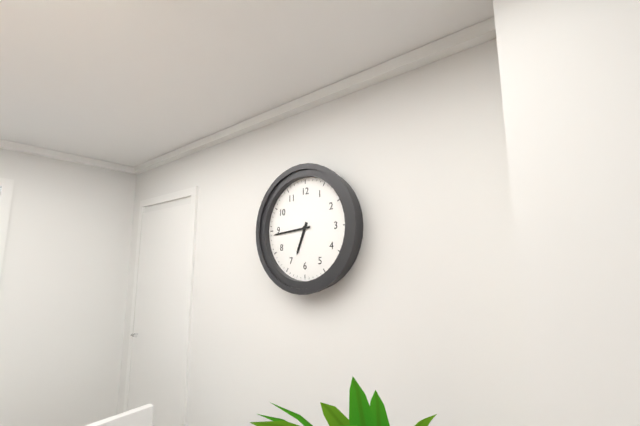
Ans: {"hour": 6, "minute": 44}
